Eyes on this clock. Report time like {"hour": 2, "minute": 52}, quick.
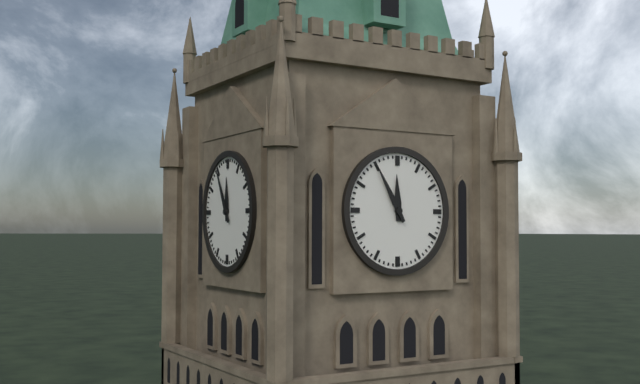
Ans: {"hour": 11, "minute": 55}
